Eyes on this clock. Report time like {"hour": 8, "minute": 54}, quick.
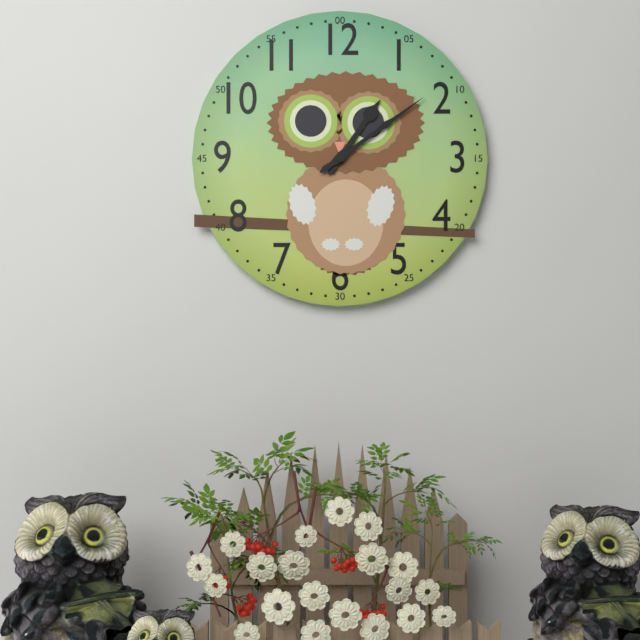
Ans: {"hour": 1, "minute": 9}
